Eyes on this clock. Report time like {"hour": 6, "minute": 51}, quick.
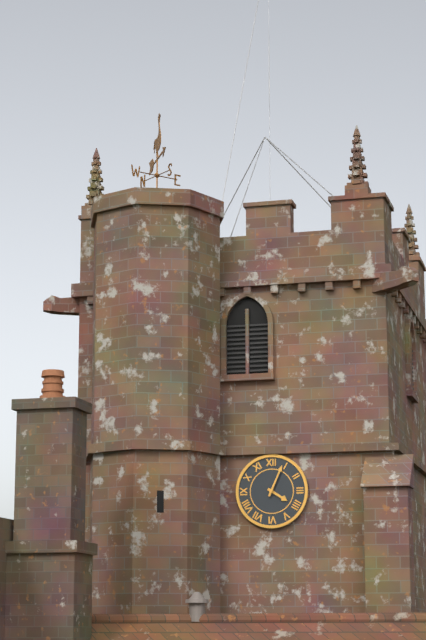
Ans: {"hour": 4, "minute": 4}
